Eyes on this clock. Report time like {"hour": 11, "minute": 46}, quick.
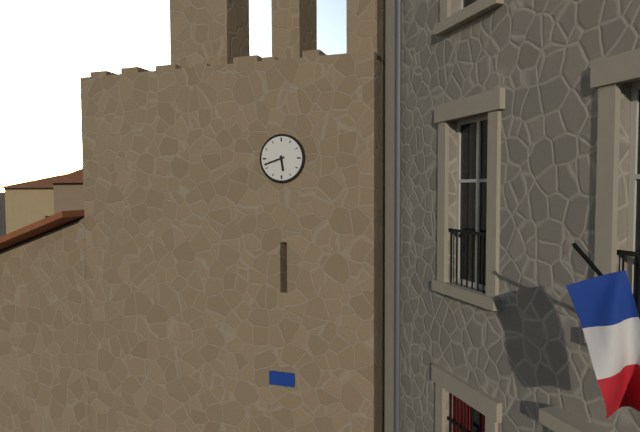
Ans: {"hour": 5, "minute": 42}
